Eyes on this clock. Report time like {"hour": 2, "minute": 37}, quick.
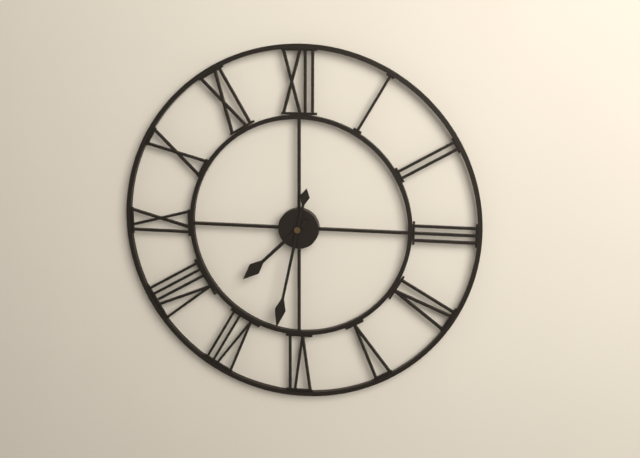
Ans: {"hour": 7, "minute": 32}
